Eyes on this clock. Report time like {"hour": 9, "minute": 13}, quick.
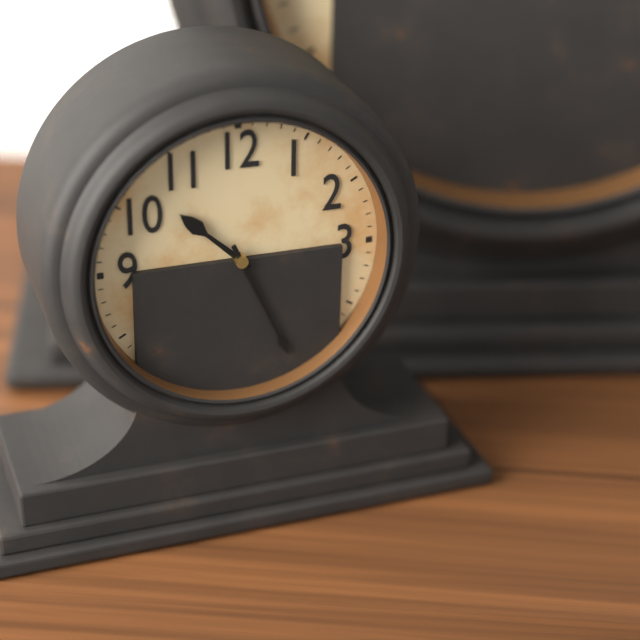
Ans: {"hour": 10, "minute": 26}
